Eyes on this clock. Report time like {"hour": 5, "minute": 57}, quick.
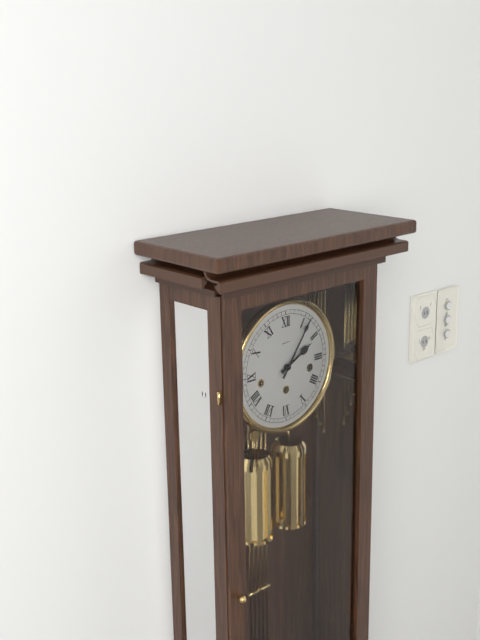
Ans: {"hour": 2, "minute": 6}
